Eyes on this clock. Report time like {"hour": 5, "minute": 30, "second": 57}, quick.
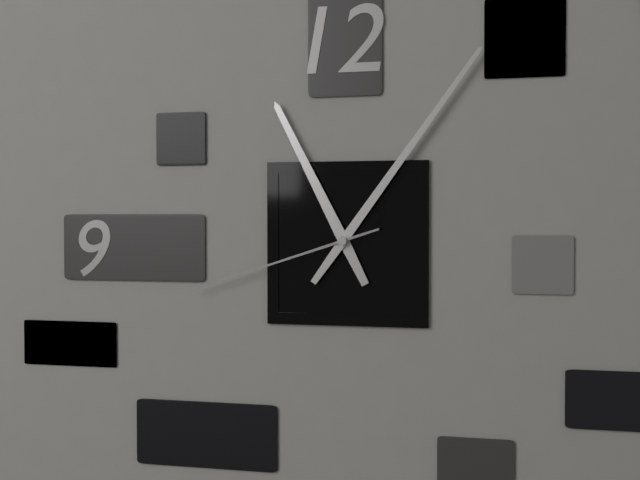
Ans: {"hour": 11, "minute": 6, "second": 42}
